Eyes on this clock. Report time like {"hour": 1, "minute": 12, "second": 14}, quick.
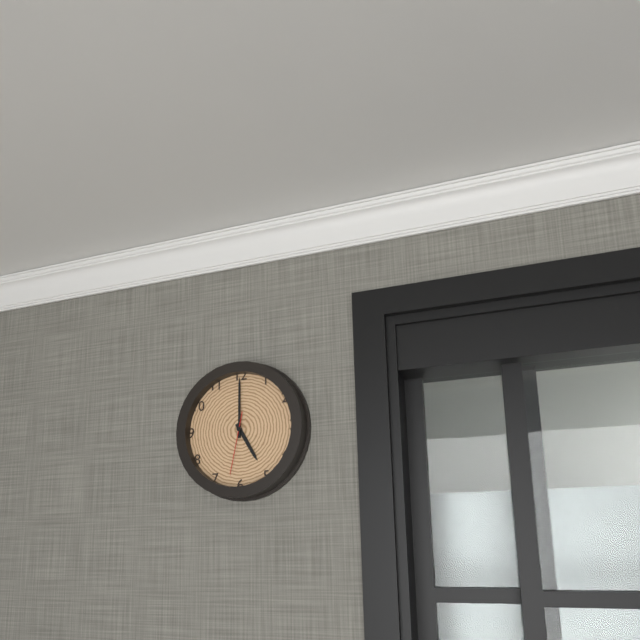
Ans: {"hour": 5, "minute": 0, "second": 32}
